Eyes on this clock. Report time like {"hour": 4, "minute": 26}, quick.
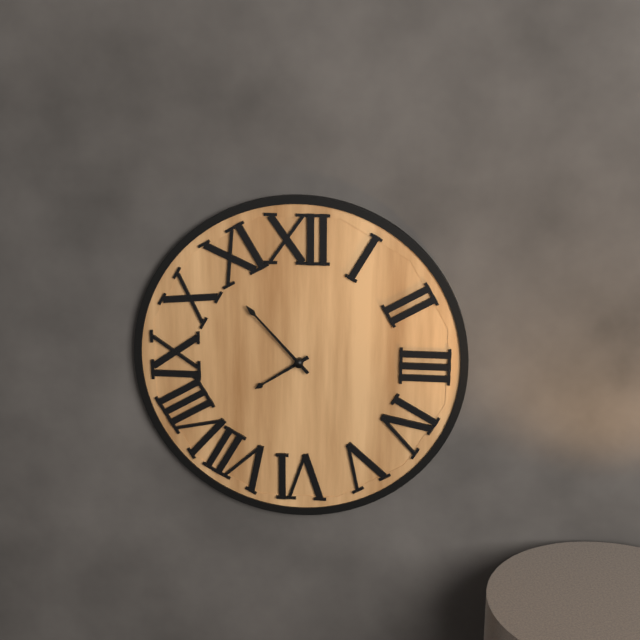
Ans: {"hour": 7, "minute": 53}
